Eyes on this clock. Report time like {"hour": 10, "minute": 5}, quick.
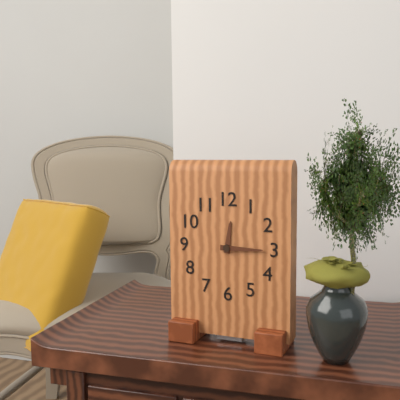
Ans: {"hour": 12, "minute": 15}
